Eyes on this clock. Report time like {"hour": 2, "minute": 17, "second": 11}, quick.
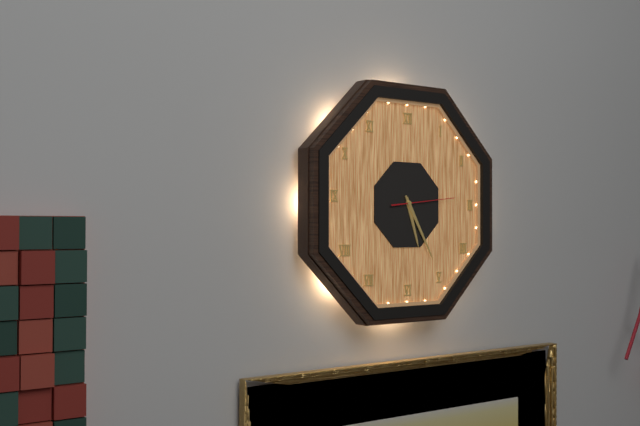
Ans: {"hour": 5, "minute": 25, "second": 14}
